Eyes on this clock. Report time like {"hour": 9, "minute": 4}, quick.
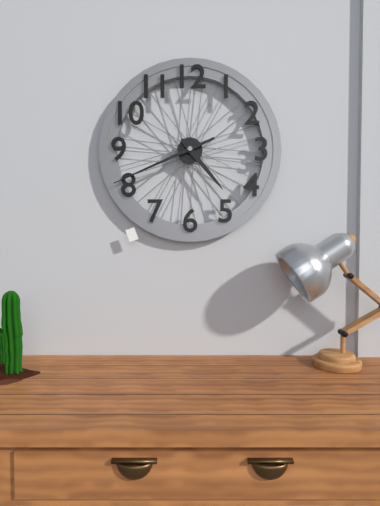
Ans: {"hour": 4, "minute": 41}
